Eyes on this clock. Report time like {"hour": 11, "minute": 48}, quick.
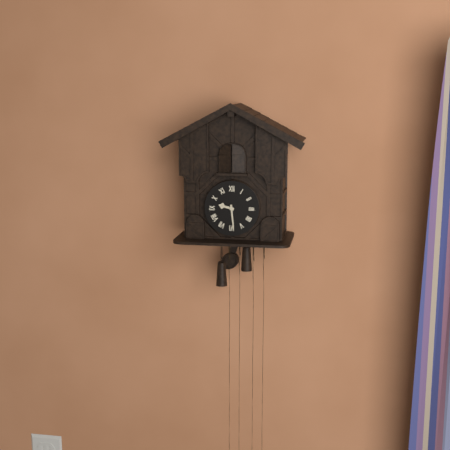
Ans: {"hour": 9, "minute": 29}
